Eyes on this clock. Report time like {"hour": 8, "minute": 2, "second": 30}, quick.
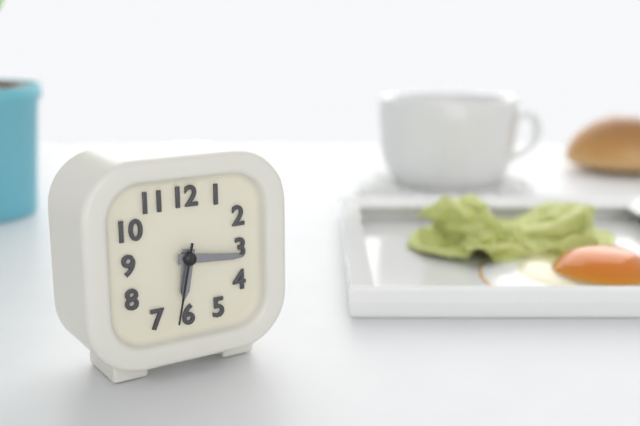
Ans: {"hour": 6, "minute": 16, "second": 32}
